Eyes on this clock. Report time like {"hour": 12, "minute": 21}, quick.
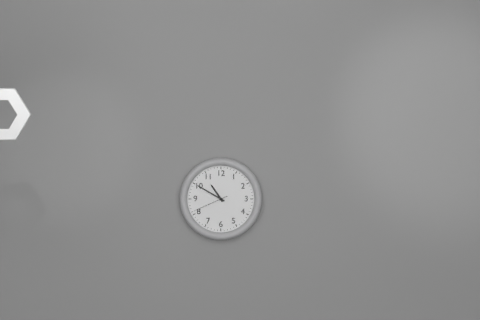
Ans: {"hour": 10, "minute": 50}
